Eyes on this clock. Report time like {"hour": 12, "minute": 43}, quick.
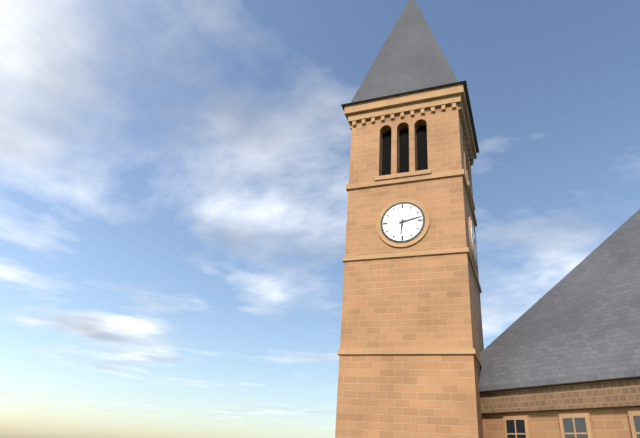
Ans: {"hour": 6, "minute": 13}
